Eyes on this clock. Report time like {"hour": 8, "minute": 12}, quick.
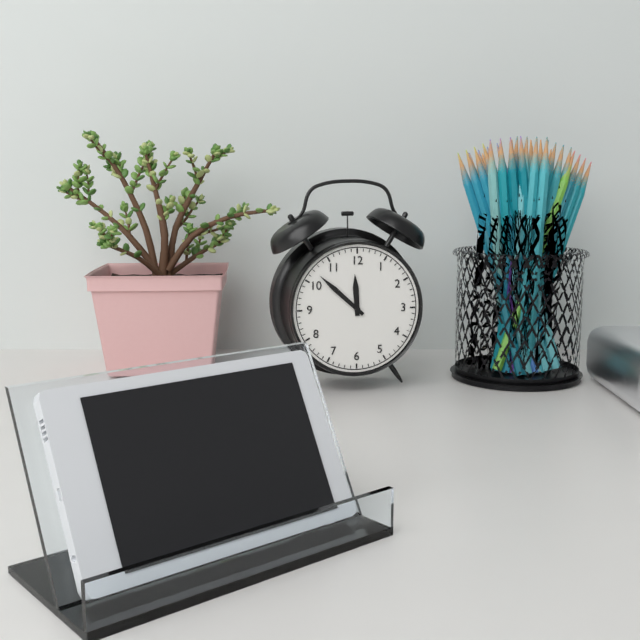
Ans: {"hour": 11, "minute": 52}
